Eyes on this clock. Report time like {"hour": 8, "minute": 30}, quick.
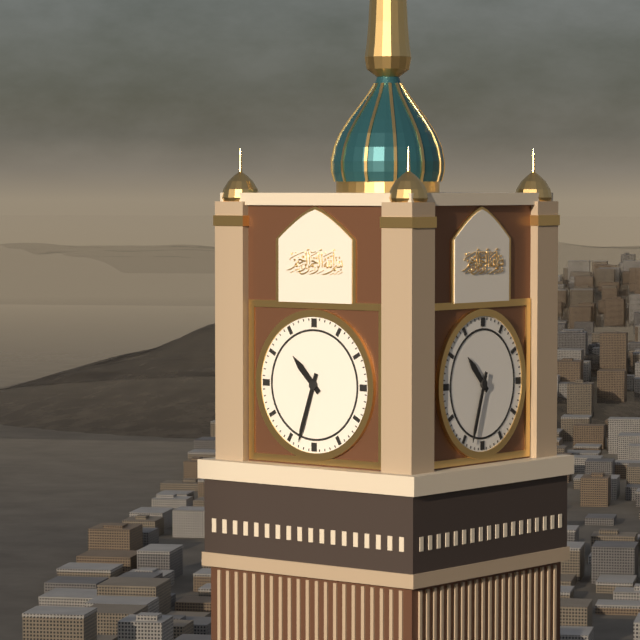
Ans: {"hour": 10, "minute": 33}
